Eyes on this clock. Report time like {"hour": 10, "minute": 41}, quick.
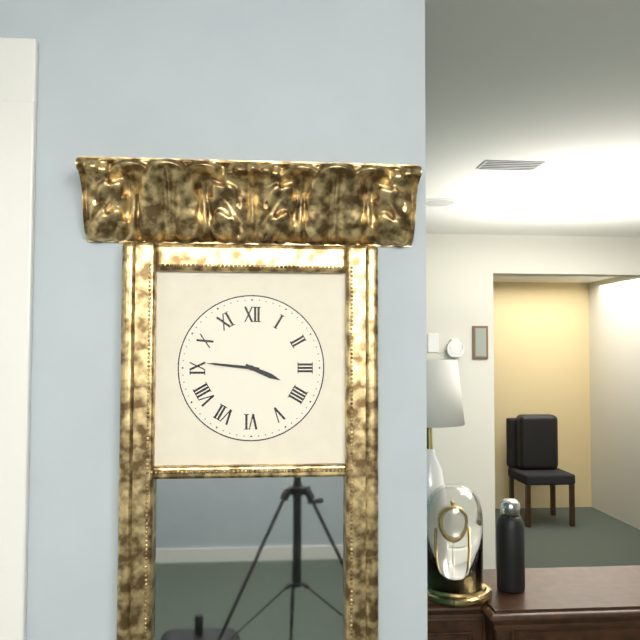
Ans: {"hour": 3, "minute": 46}
